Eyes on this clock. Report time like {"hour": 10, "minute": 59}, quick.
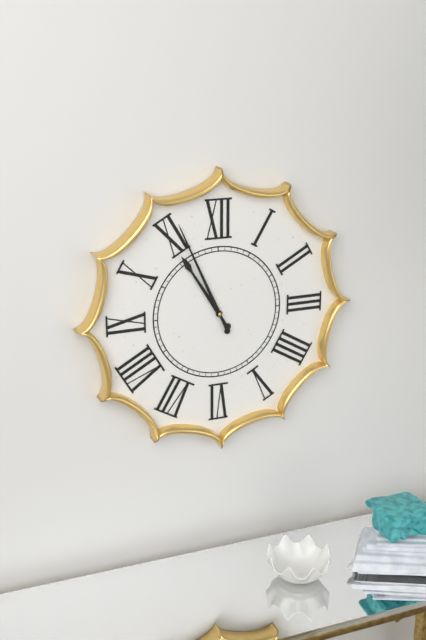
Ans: {"hour": 10, "minute": 56}
